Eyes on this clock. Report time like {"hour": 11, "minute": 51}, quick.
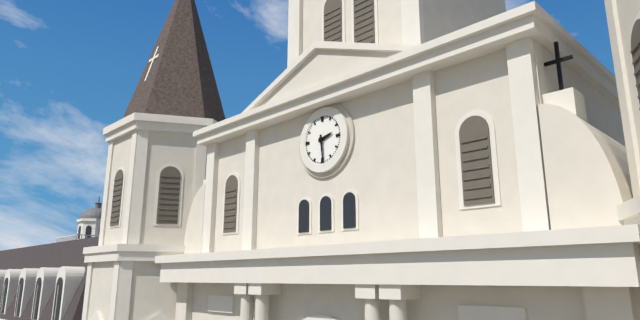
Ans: {"hour": 2, "minute": 29}
